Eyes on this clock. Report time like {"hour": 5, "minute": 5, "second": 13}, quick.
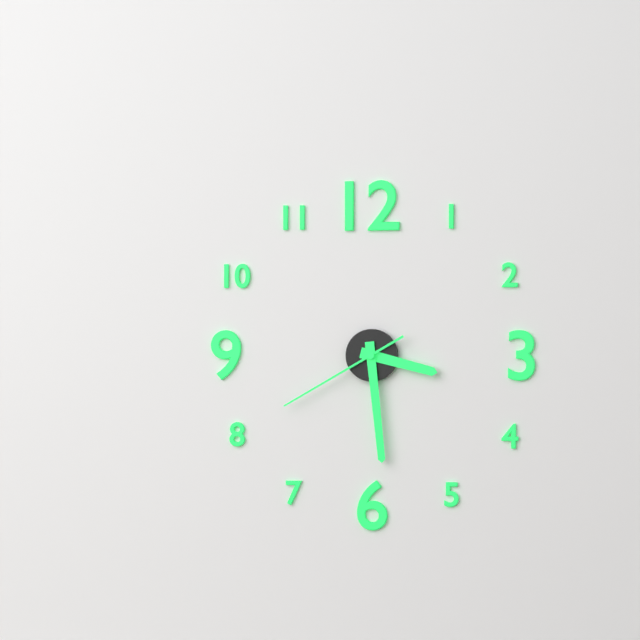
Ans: {"hour": 3, "minute": 29, "second": 40}
